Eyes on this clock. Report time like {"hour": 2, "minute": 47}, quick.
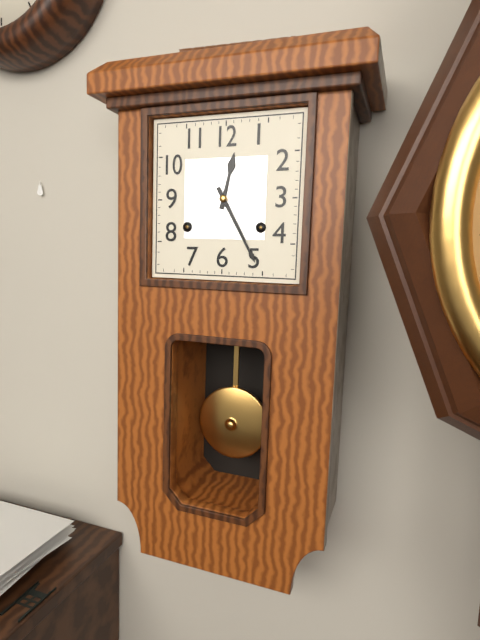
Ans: {"hour": 12, "minute": 25}
